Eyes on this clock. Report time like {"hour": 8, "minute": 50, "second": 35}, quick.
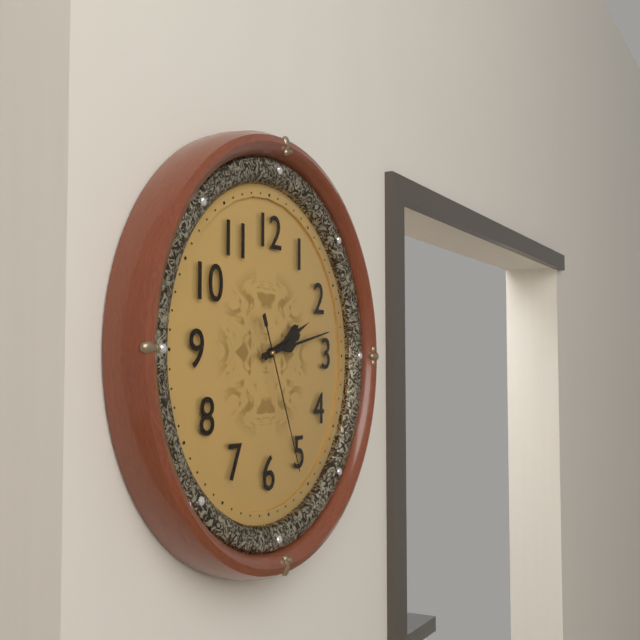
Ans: {"hour": 2, "minute": 13, "second": 26}
